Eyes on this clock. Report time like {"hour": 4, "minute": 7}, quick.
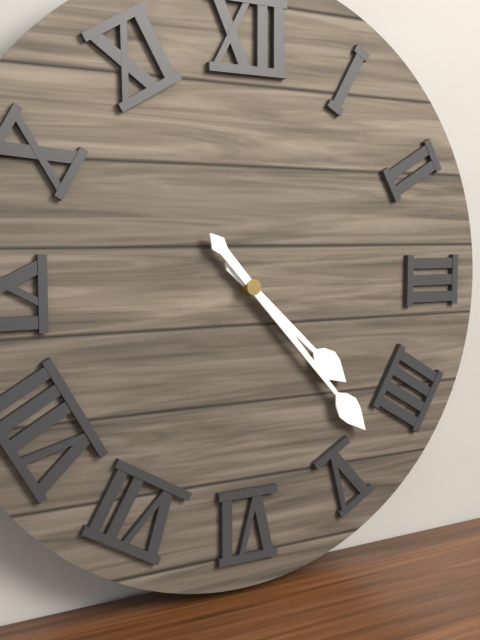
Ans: {"hour": 4, "minute": 23}
